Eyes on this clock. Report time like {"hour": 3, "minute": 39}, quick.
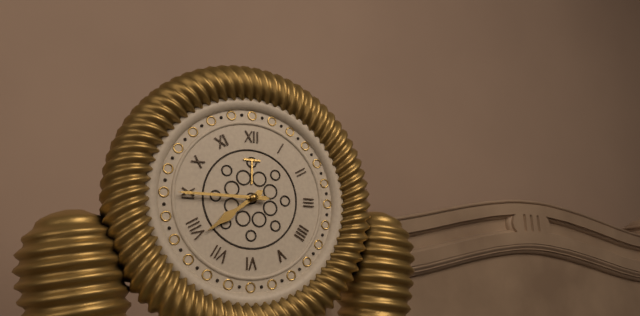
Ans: {"hour": 7, "minute": 45}
